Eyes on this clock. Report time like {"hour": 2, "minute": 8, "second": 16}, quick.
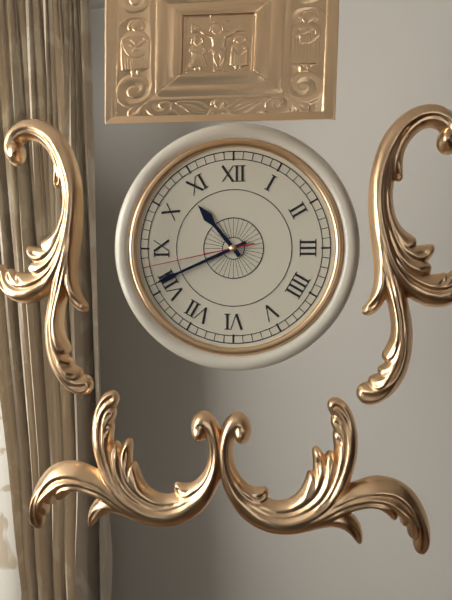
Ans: {"hour": 10, "minute": 41, "second": 43}
